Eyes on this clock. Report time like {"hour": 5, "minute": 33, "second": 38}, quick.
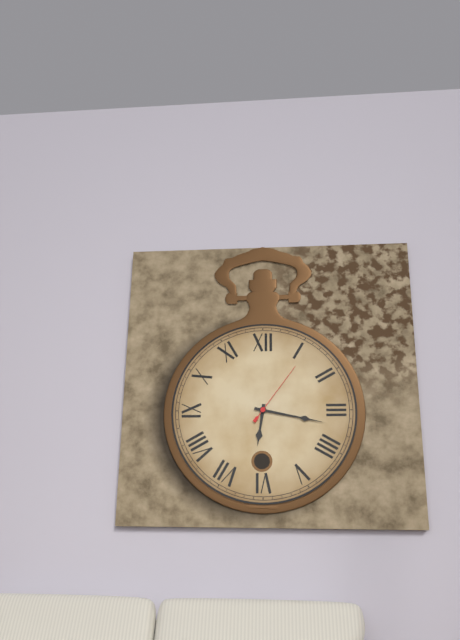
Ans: {"hour": 6, "minute": 17, "second": 6}
